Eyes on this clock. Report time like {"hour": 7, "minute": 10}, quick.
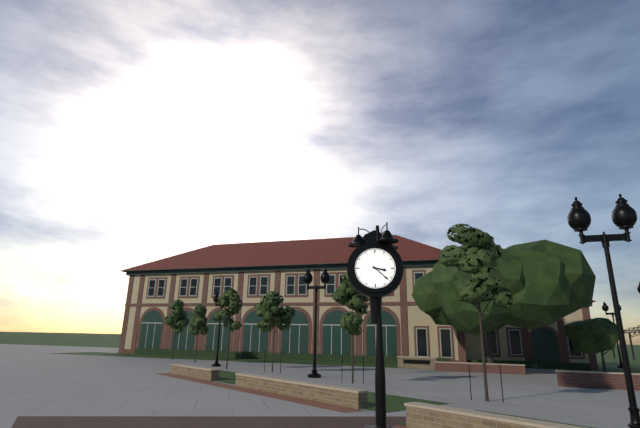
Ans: {"hour": 3, "minute": 22}
